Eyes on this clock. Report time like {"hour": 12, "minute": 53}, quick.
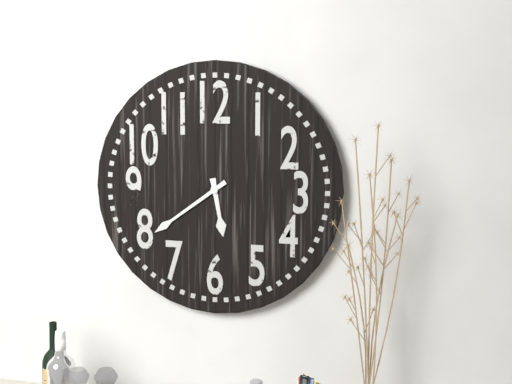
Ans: {"hour": 5, "minute": 39}
